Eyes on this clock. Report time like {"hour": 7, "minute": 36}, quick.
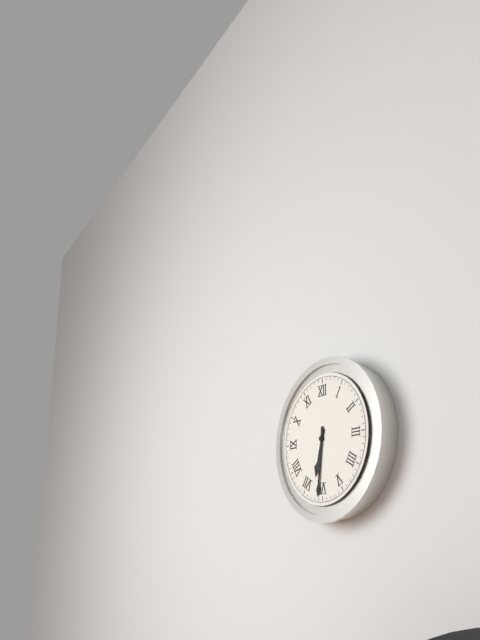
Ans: {"hour": 6, "minute": 31}
